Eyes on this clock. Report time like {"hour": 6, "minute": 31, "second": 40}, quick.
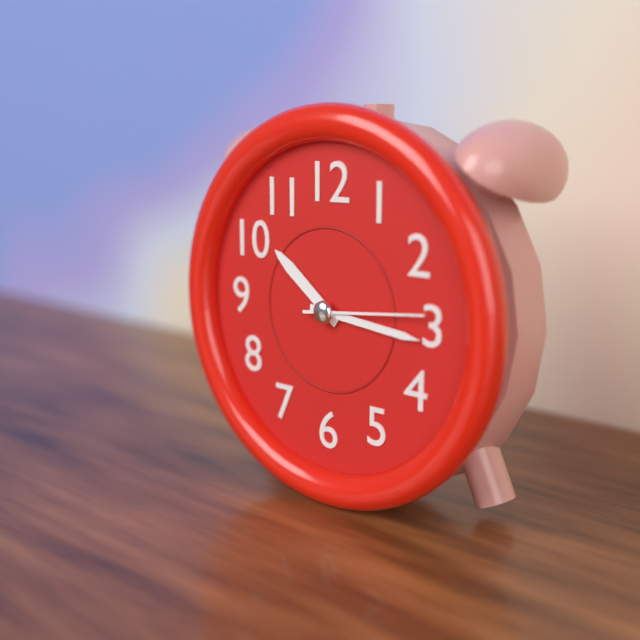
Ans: {"hour": 10, "minute": 16, "second": 14}
